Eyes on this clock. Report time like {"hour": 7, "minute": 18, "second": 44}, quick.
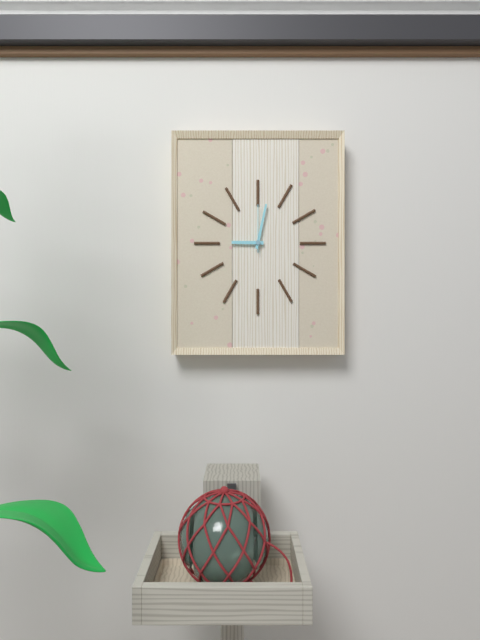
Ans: {"hour": 9, "minute": 2, "second": 0}
